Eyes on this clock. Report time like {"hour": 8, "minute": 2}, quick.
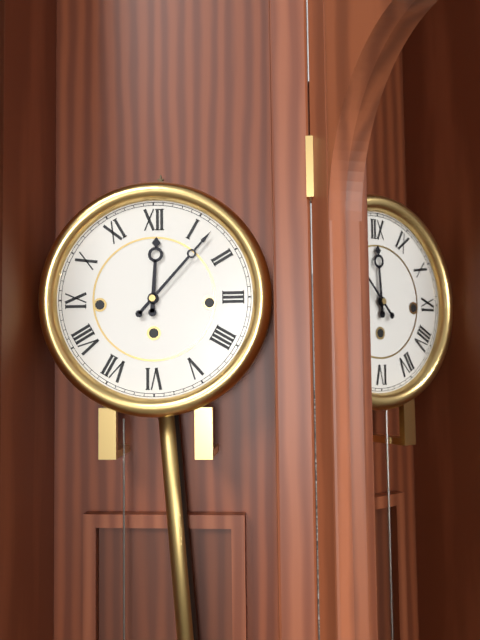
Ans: {"hour": 12, "minute": 7}
